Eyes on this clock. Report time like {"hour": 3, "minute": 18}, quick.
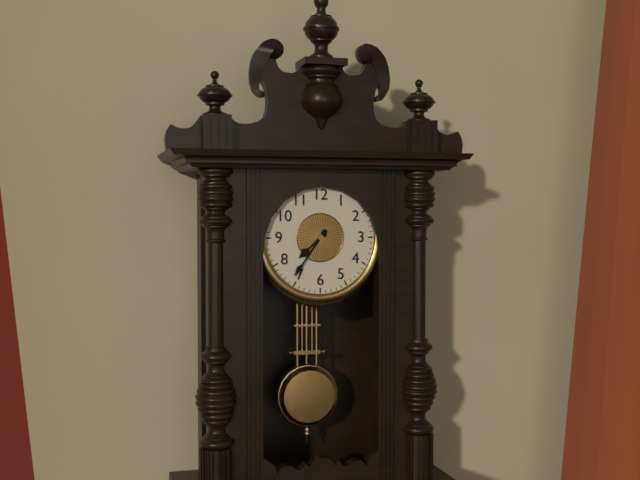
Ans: {"hour": 7, "minute": 36}
